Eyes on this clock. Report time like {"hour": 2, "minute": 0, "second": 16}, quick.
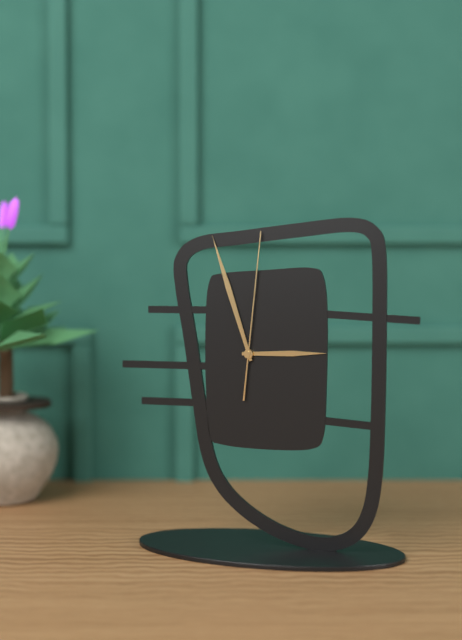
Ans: {"hour": 2, "minute": 57, "second": 1}
